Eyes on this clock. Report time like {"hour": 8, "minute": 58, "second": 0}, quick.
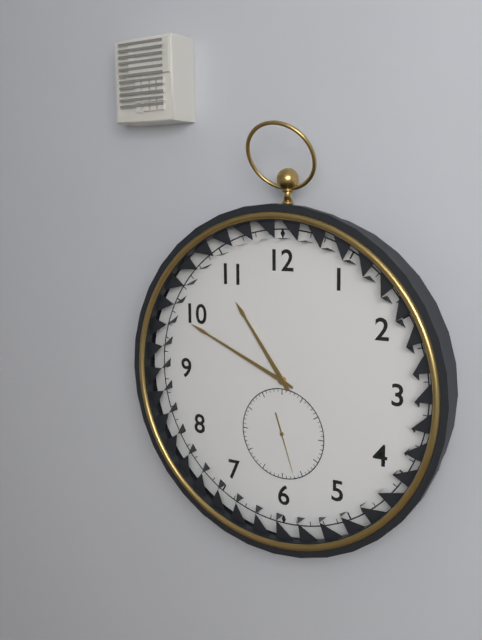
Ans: {"hour": 10, "minute": 49, "second": 27}
